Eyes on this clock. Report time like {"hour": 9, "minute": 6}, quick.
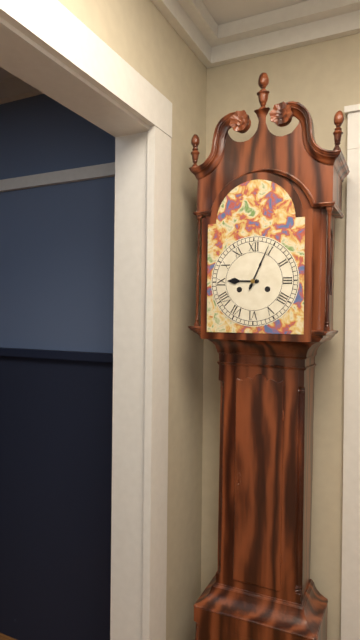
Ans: {"hour": 9, "minute": 4}
